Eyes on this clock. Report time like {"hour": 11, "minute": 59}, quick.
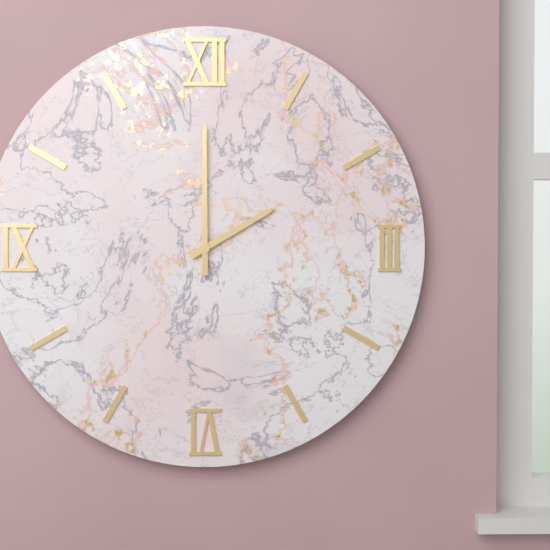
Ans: {"hour": 2, "minute": 0}
